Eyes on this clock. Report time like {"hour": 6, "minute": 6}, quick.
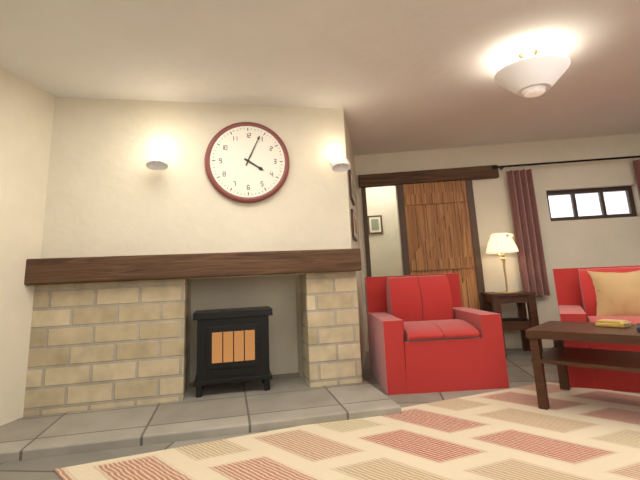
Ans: {"hour": 4, "minute": 4}
